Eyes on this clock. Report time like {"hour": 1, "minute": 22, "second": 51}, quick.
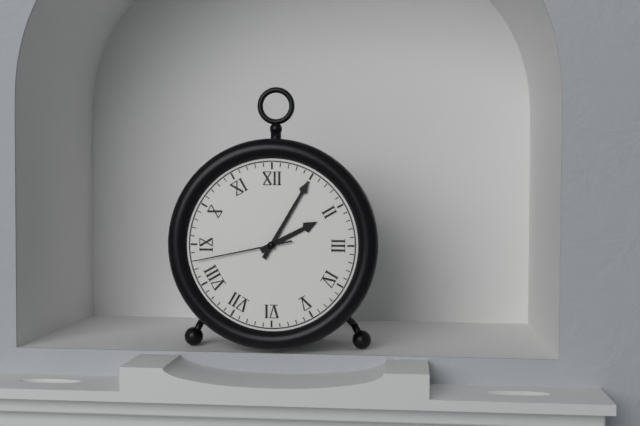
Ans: {"hour": 2, "minute": 5, "second": 43}
